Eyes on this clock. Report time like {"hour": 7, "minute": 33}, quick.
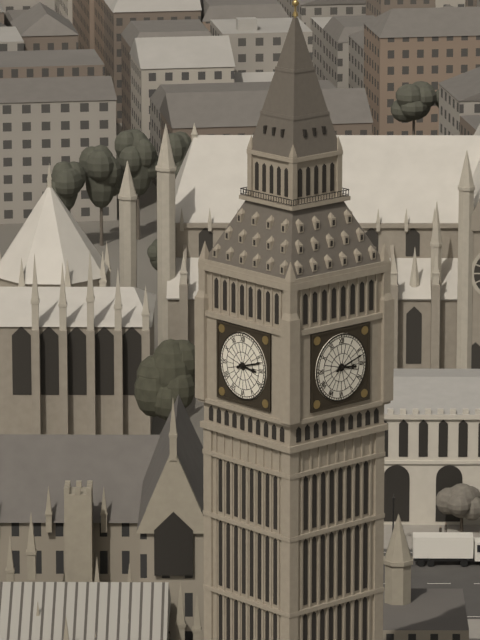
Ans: {"hour": 3, "minute": 12}
